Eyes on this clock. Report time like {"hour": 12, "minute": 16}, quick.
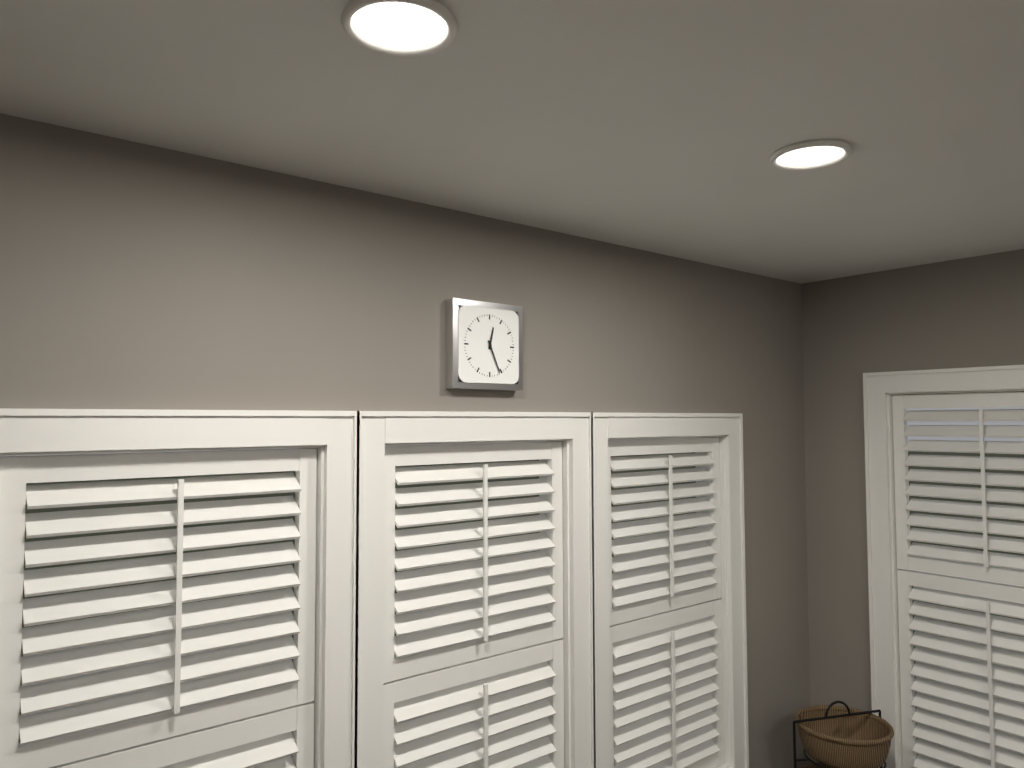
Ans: {"hour": 12, "minute": 26}
